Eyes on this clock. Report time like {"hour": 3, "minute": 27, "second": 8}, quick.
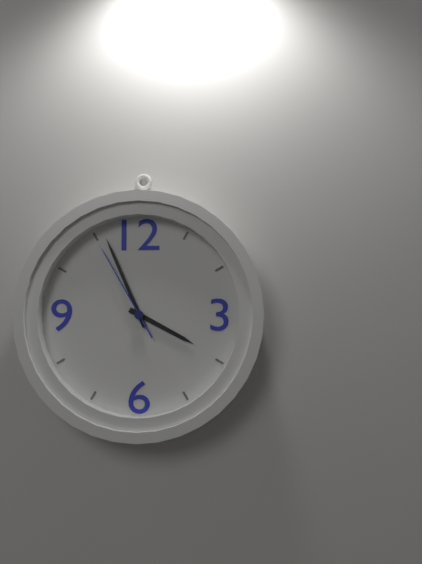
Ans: {"hour": 3, "minute": 56, "second": 55}
